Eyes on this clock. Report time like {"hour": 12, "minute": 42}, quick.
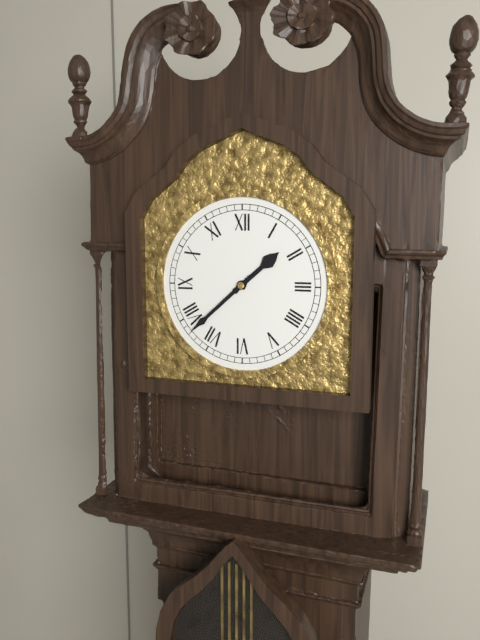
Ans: {"hour": 1, "minute": 38}
